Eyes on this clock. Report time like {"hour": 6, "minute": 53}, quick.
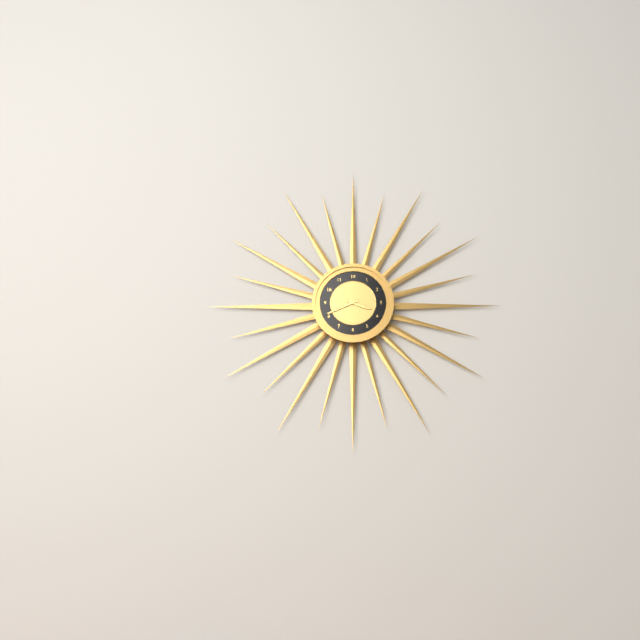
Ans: {"hour": 3, "minute": 41}
